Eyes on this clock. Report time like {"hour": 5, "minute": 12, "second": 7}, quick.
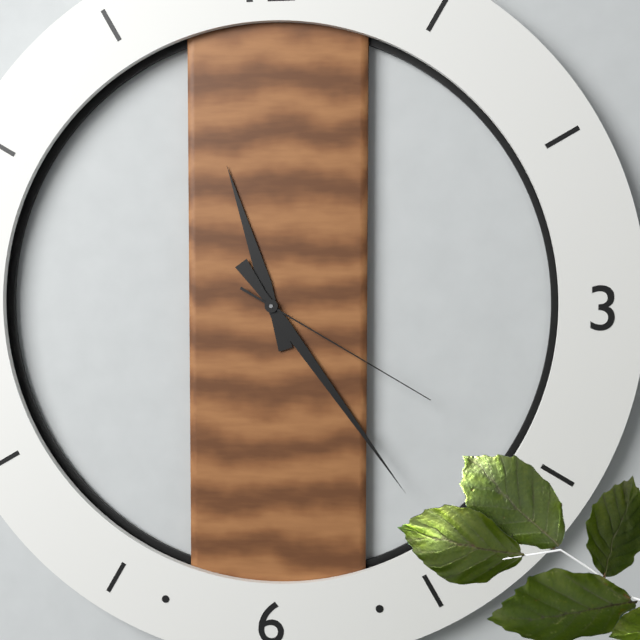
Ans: {"hour": 11, "minute": 24, "second": 20}
